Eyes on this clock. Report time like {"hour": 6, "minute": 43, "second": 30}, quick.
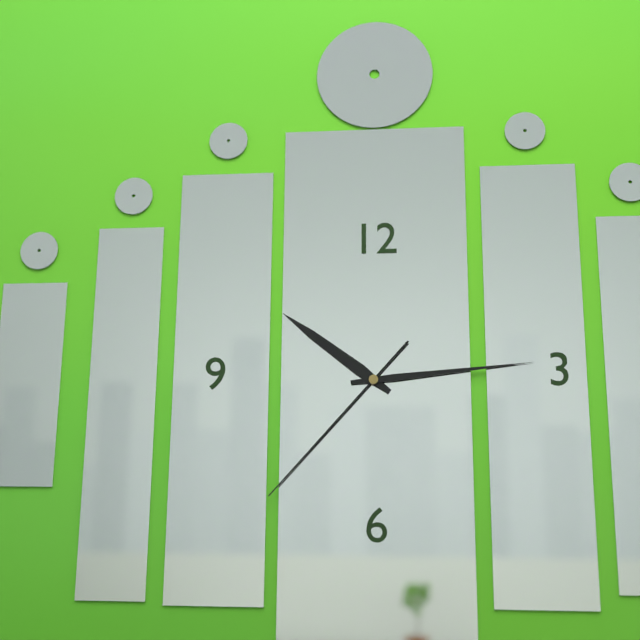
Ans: {"hour": 10, "minute": 14, "second": 37}
